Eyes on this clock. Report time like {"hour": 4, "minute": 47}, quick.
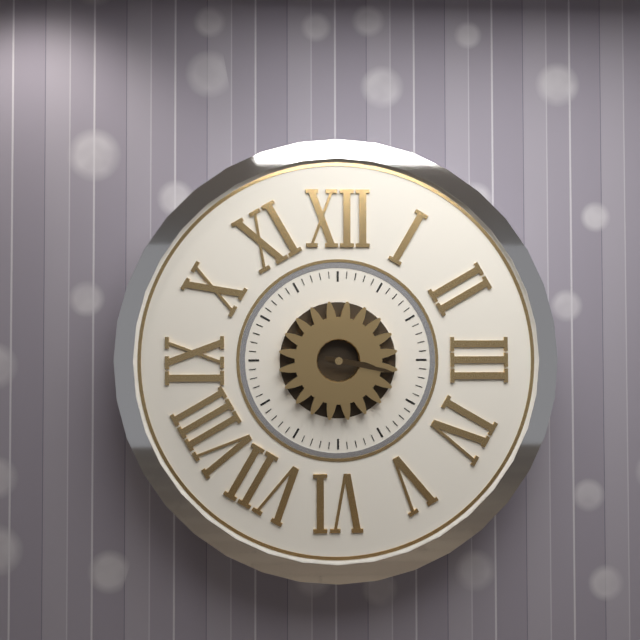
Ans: {"hour": 3, "minute": 17}
